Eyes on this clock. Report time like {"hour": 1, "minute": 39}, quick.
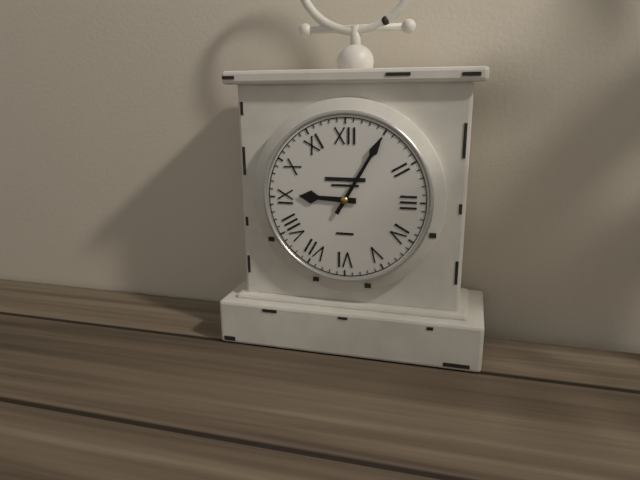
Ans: {"hour": 9, "minute": 5}
